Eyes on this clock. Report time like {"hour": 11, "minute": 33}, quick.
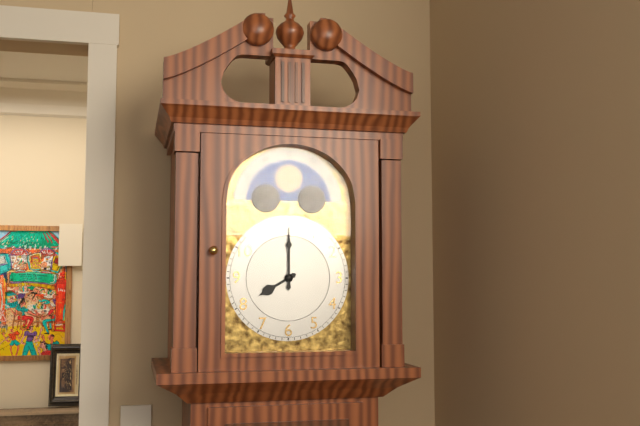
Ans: {"hour": 8, "minute": 0}
